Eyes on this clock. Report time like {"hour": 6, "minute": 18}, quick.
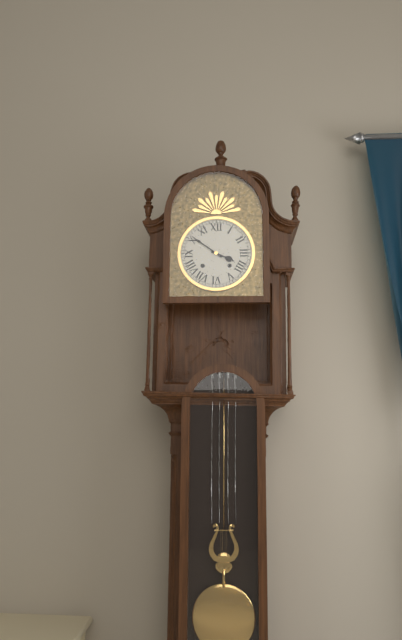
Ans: {"hour": 3, "minute": 51}
